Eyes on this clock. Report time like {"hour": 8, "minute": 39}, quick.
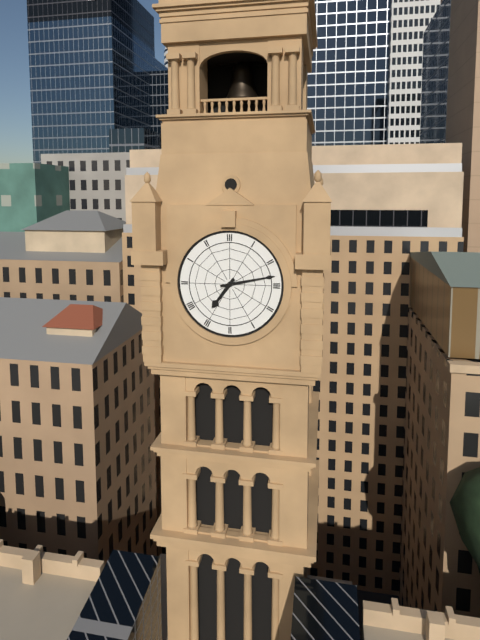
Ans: {"hour": 7, "minute": 13}
